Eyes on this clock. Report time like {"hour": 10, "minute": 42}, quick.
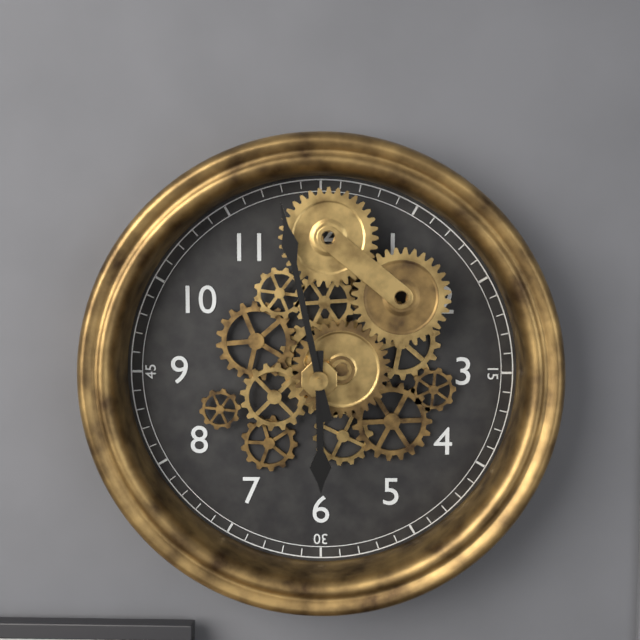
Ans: {"hour": 5, "minute": 58}
